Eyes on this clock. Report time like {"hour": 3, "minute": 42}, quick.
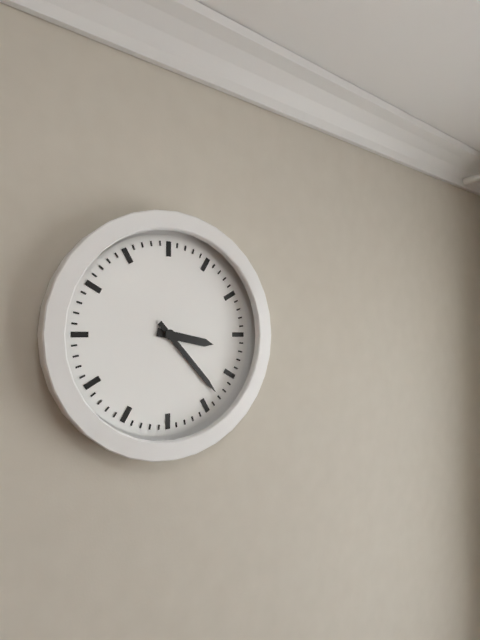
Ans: {"hour": 3, "minute": 23}
